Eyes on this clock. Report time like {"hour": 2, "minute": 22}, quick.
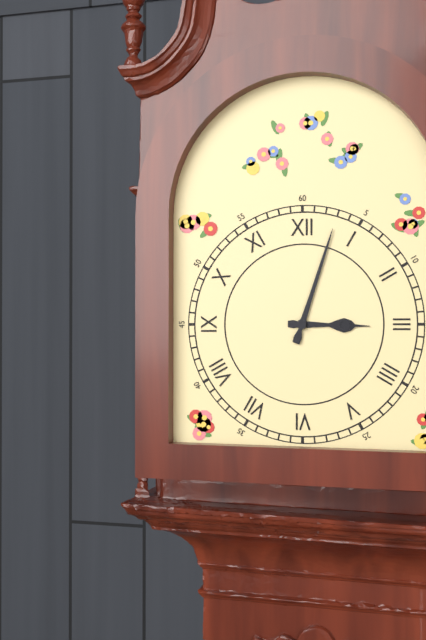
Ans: {"hour": 3, "minute": 3}
